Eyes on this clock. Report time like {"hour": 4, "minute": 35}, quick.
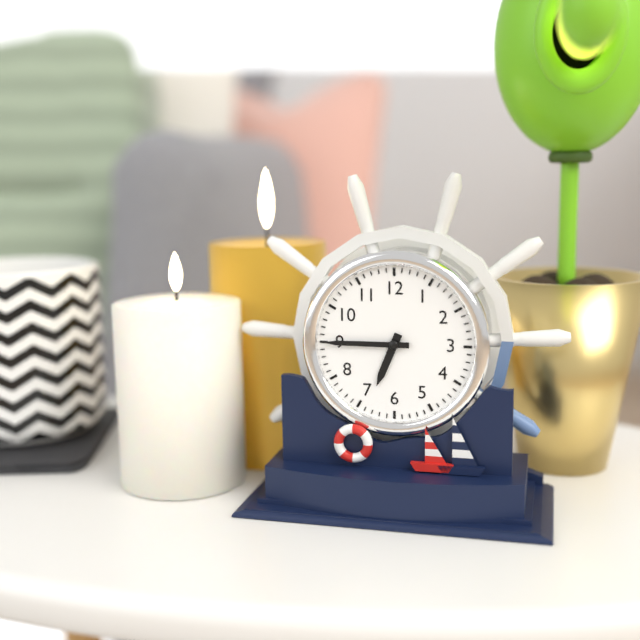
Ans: {"hour": 6, "minute": 45}
